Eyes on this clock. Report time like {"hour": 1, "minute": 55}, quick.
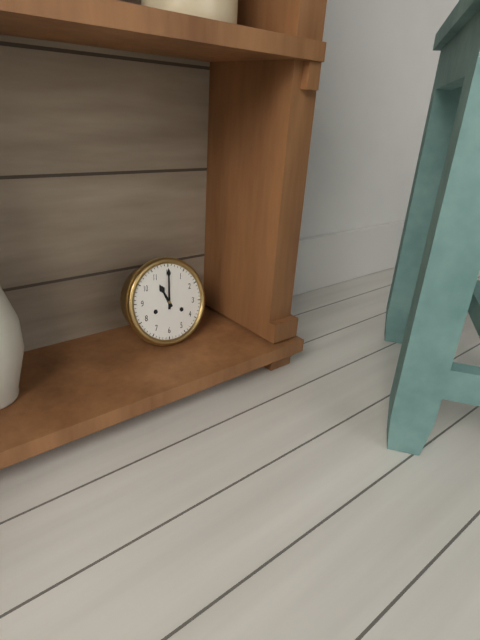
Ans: {"hour": 11, "minute": 0}
